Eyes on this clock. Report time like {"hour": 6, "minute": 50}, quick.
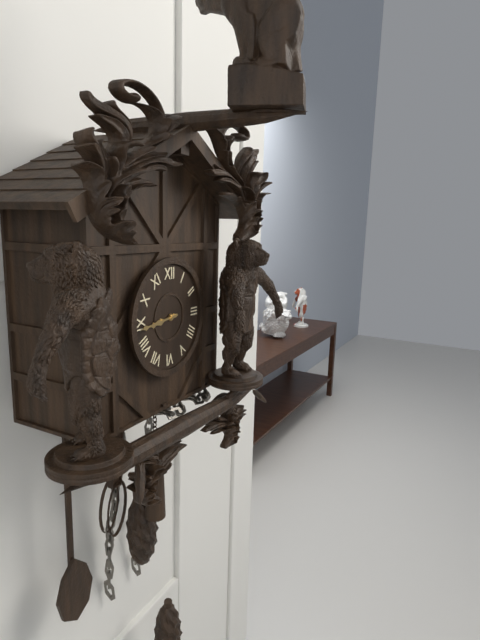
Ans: {"hour": 8, "minute": 44}
